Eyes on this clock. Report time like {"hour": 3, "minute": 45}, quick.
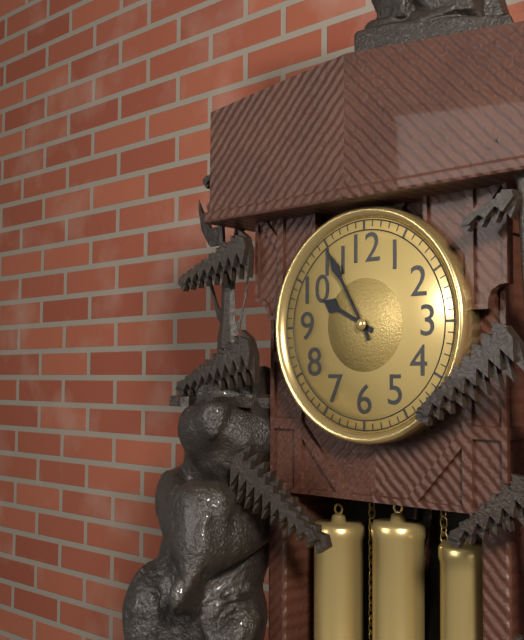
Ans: {"hour": 9, "minute": 55}
